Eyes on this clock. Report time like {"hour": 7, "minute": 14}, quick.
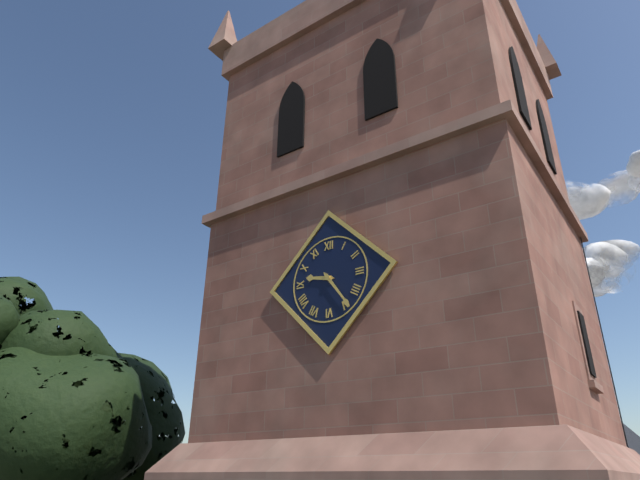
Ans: {"hour": 9, "minute": 24}
